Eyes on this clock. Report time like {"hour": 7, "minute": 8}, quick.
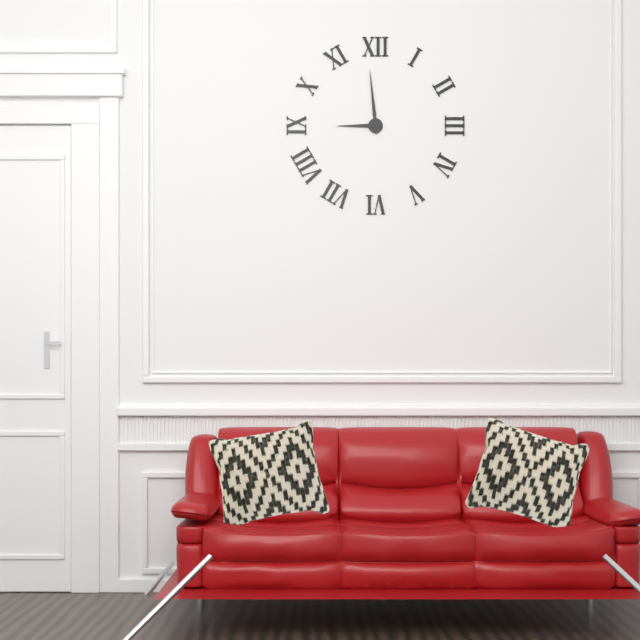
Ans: {"hour": 8, "minute": 59}
